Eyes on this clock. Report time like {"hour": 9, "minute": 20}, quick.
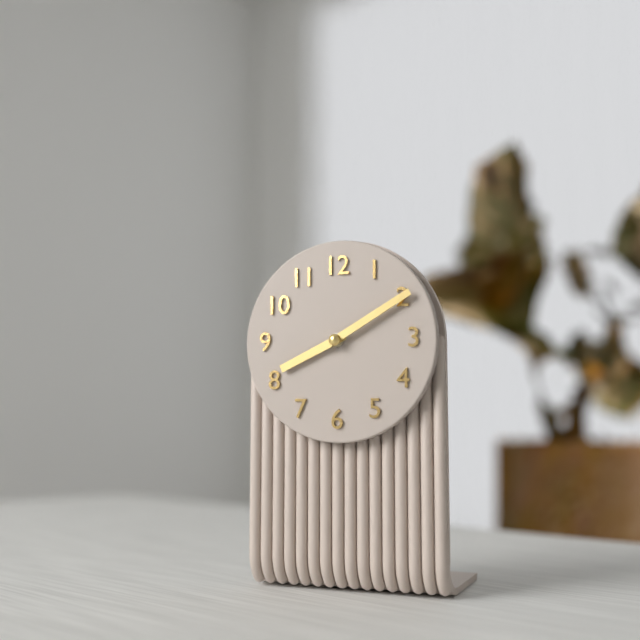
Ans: {"hour": 8, "minute": 10}
